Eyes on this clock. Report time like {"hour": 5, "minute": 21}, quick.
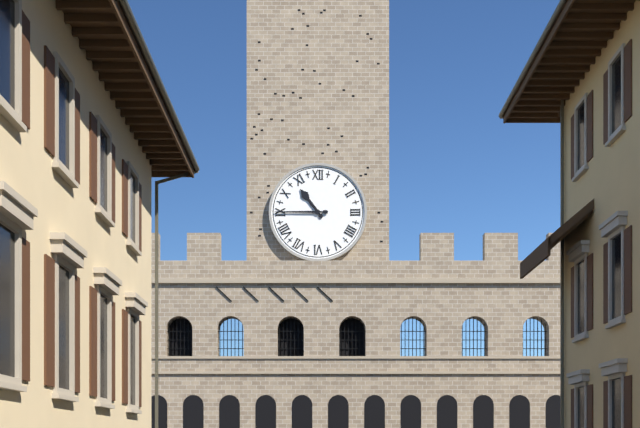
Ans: {"hour": 10, "minute": 45}
